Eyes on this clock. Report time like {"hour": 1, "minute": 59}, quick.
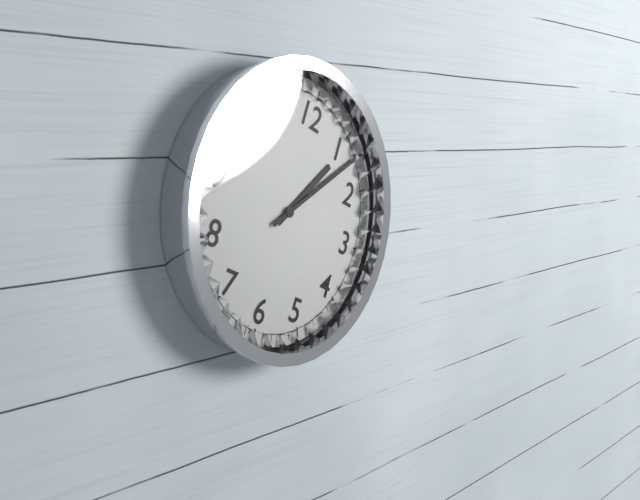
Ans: {"hour": 1, "minute": 7}
